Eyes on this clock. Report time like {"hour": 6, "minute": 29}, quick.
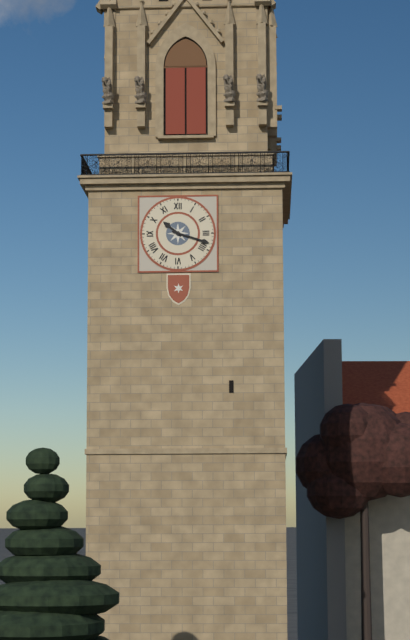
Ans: {"hour": 10, "minute": 18}
